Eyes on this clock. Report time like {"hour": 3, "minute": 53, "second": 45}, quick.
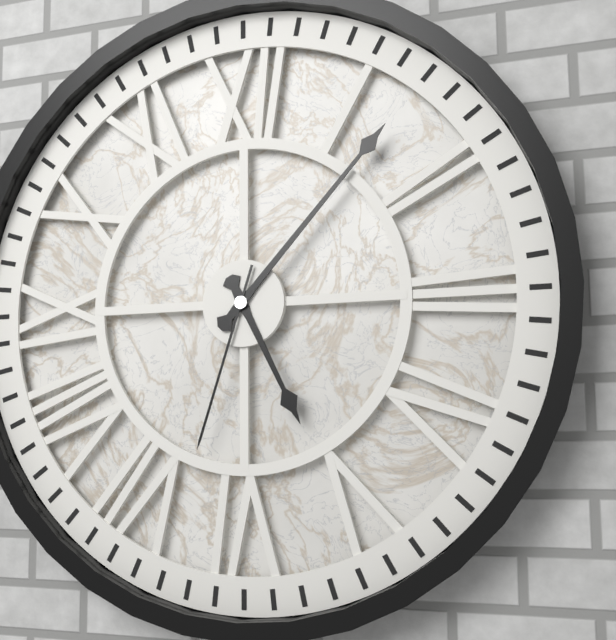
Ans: {"hour": 5, "minute": 7, "second": 33}
